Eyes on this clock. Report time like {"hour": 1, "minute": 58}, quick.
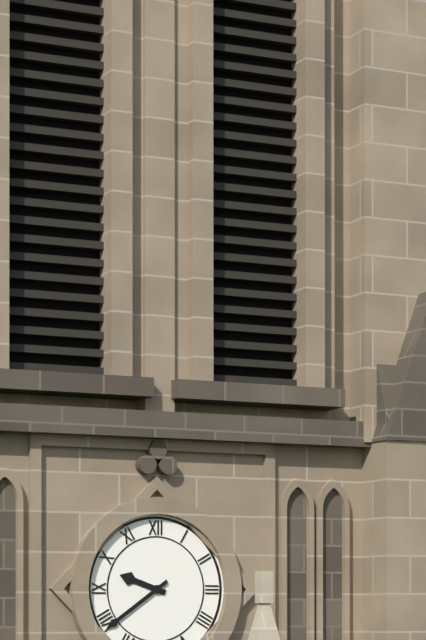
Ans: {"hour": 9, "minute": 39}
